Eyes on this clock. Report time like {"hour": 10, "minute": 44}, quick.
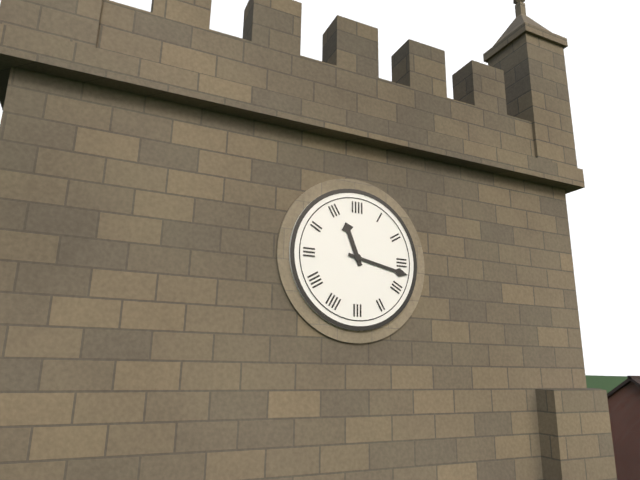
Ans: {"hour": 11, "minute": 17}
